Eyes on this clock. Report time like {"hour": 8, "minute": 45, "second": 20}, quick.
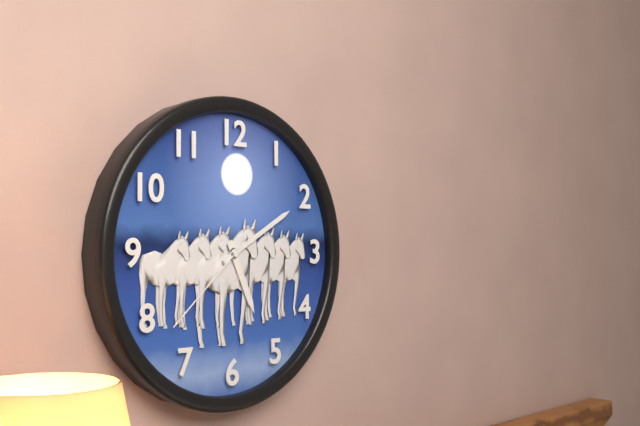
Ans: {"hour": 5, "minute": 10, "second": 38}
